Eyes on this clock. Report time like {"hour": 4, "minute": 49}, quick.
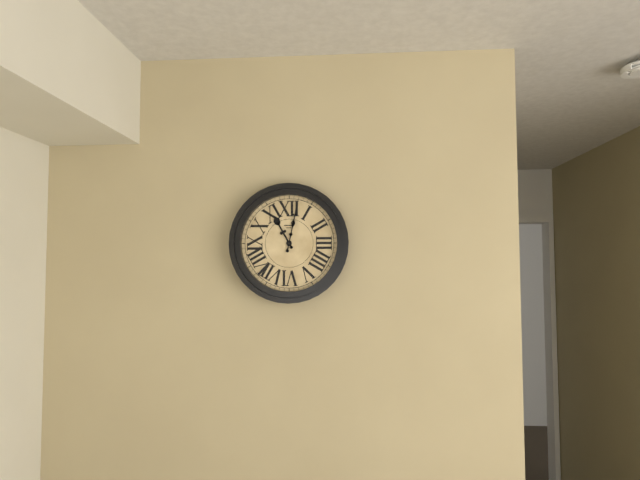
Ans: {"hour": 11, "minute": 2}
